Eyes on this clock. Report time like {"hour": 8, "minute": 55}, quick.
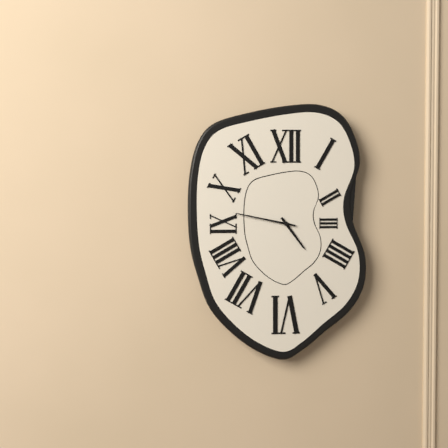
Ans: {"hour": 4, "minute": 47}
